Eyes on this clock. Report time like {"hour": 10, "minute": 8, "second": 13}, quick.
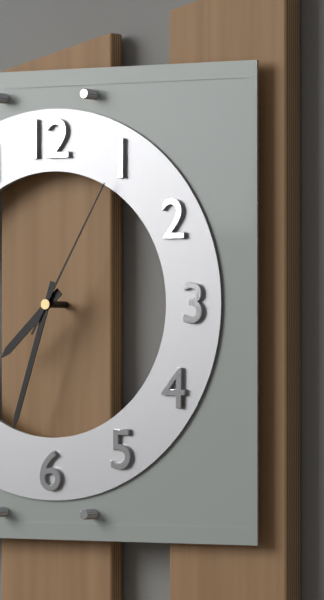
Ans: {"hour": 7, "minute": 33, "second": 5}
